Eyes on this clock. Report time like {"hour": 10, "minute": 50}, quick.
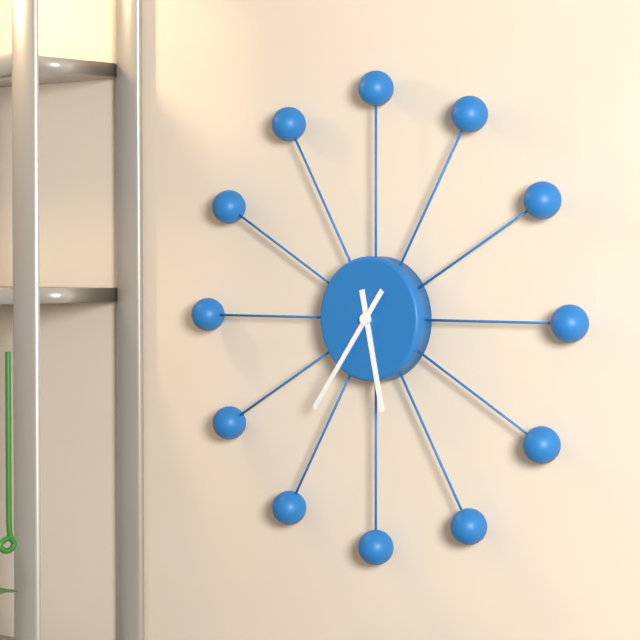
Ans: {"hour": 5, "minute": 36}
